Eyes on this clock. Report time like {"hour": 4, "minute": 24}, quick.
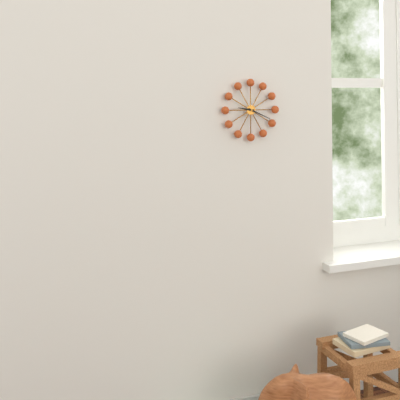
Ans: {"hour": 9, "minute": 19}
